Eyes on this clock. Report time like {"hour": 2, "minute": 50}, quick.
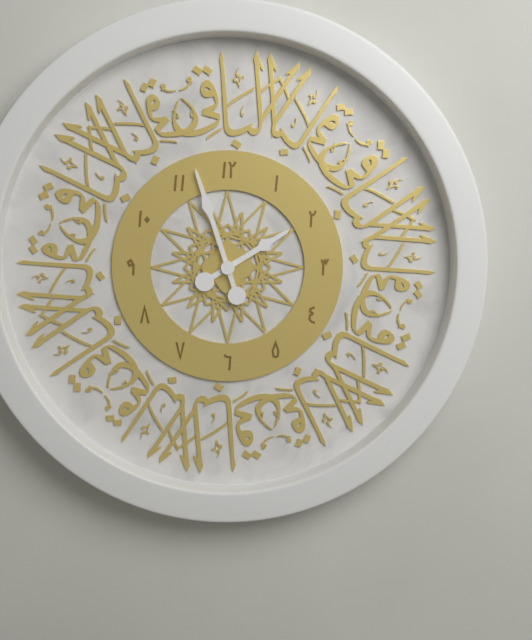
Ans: {"hour": 1, "minute": 57}
